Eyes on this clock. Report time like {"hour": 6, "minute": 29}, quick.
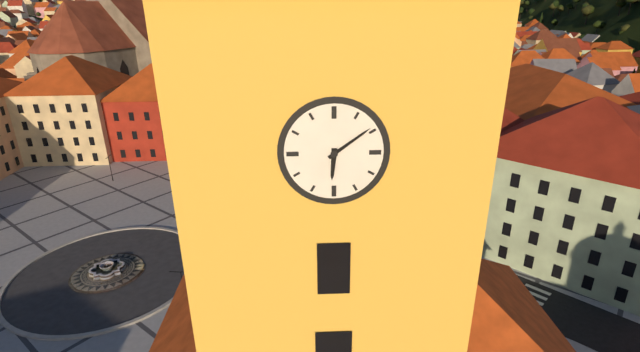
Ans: {"hour": 6, "minute": 9}
